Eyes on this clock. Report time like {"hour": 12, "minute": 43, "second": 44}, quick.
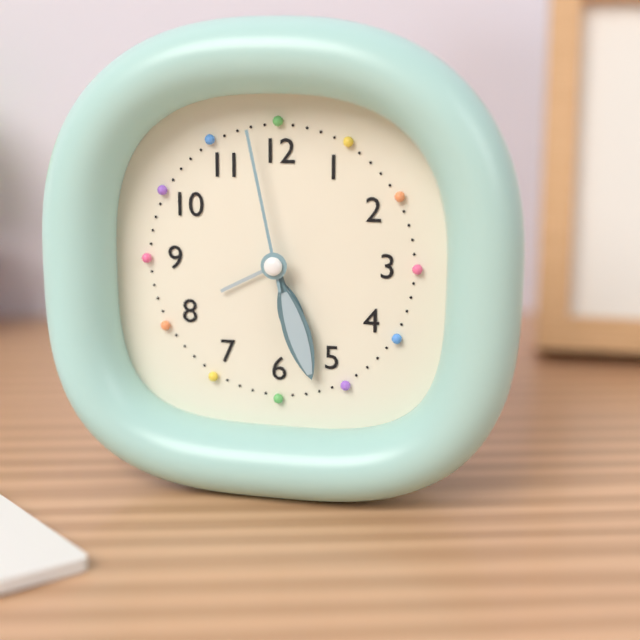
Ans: {"hour": 5, "minute": 27, "second": 58}
